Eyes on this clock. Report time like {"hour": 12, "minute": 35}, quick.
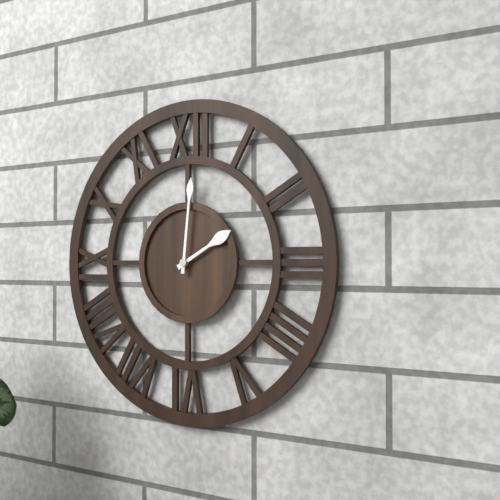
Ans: {"hour": 2, "minute": 1}
